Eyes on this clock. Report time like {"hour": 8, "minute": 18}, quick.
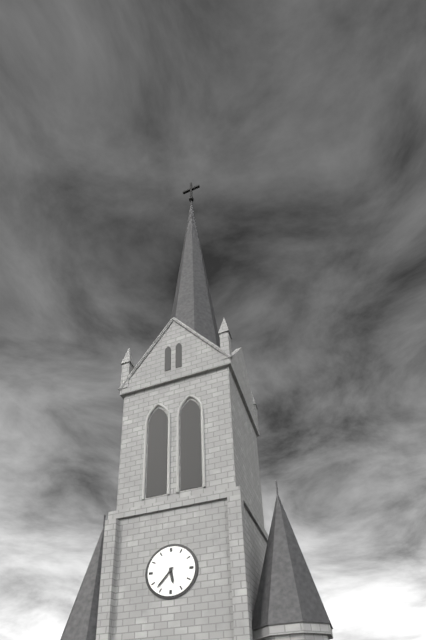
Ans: {"hour": 5, "minute": 37}
